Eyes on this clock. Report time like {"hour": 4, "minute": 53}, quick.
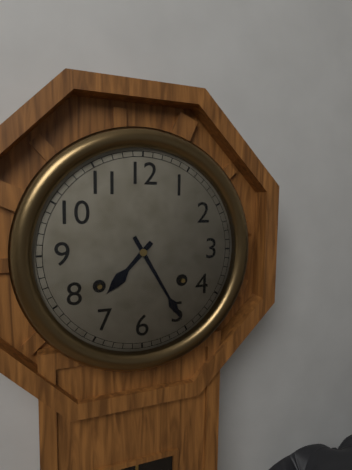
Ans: {"hour": 7, "minute": 25}
